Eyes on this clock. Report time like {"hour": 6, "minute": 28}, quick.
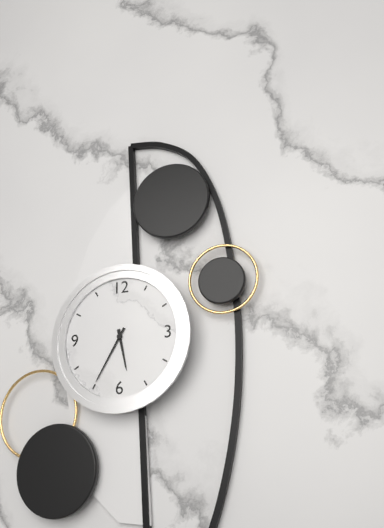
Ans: {"hour": 5, "minute": 35}
